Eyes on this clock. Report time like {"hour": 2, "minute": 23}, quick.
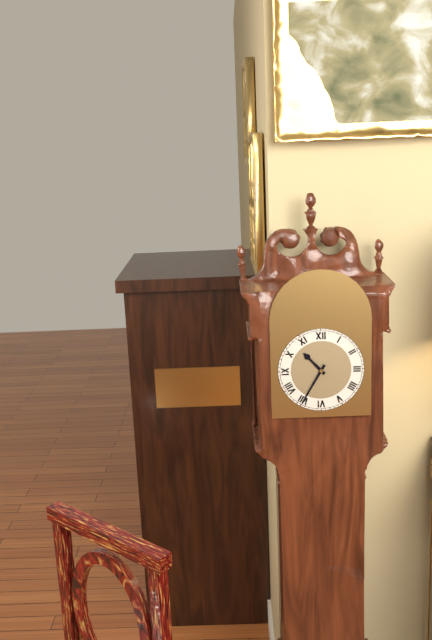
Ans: {"hour": 10, "minute": 35}
